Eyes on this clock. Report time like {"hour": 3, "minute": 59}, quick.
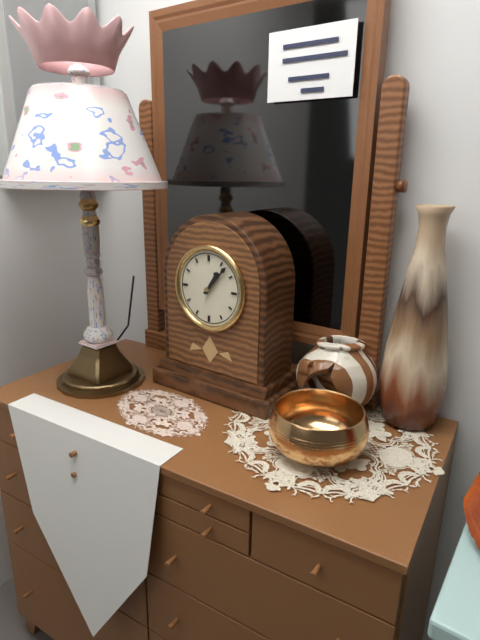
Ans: {"hour": 1, "minute": 7}
